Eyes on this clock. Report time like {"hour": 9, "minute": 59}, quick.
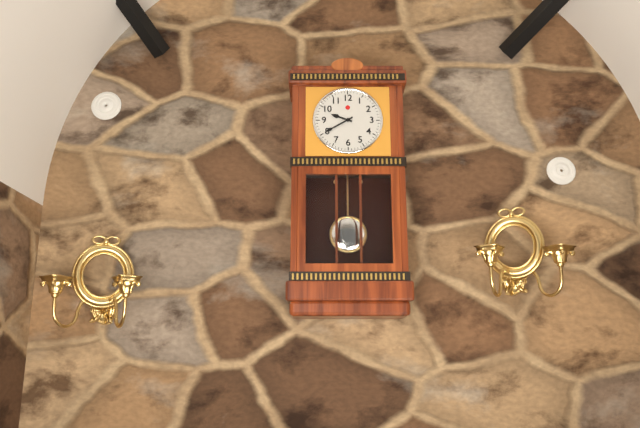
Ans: {"hour": 9, "minute": 40}
